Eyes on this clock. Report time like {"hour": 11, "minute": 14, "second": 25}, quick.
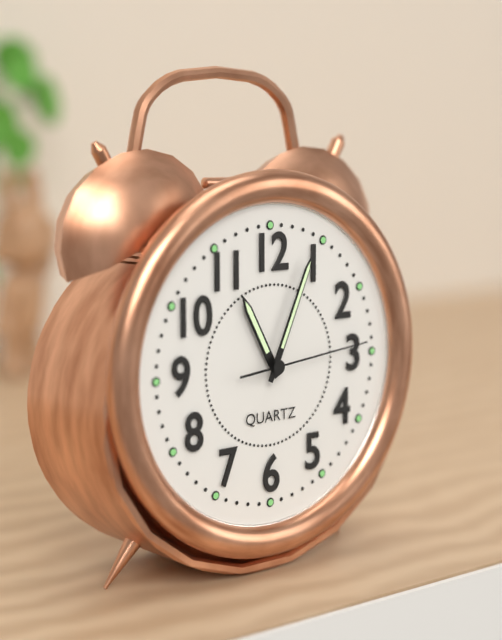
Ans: {"hour": 11, "minute": 4, "second": 14}
